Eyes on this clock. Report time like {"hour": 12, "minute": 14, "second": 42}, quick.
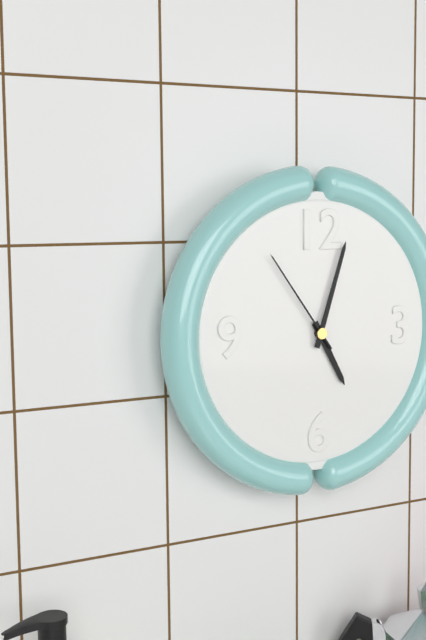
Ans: {"hour": 5, "minute": 3, "second": 54}
